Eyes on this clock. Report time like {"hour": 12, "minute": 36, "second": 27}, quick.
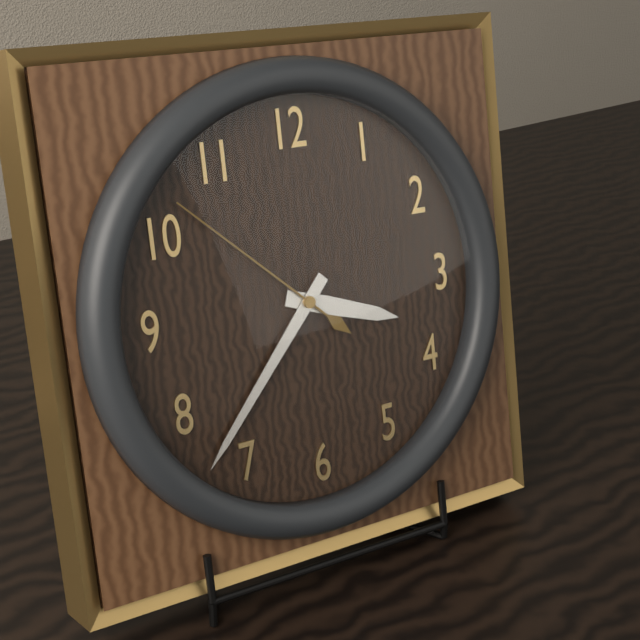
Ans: {"hour": 3, "minute": 37, "second": 52}
